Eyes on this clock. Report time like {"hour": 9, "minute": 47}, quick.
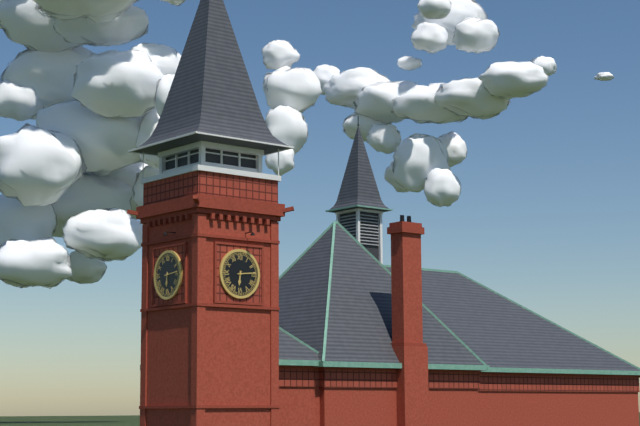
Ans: {"hour": 6, "minute": 14}
